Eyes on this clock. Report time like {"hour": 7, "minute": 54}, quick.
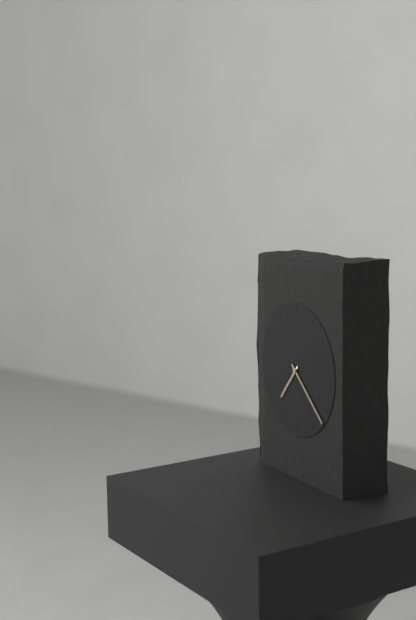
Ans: {"hour": 7, "minute": 22}
